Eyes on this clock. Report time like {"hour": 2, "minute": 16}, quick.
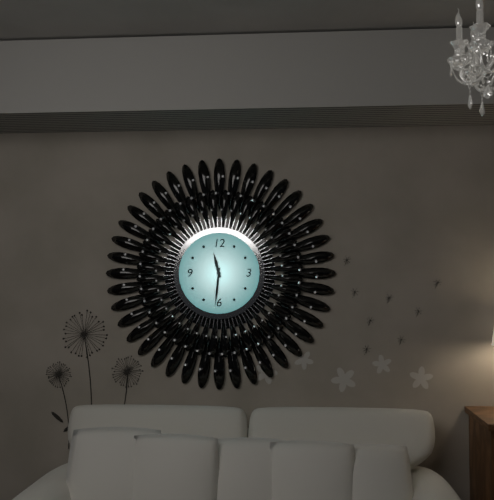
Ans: {"hour": 11, "minute": 31}
